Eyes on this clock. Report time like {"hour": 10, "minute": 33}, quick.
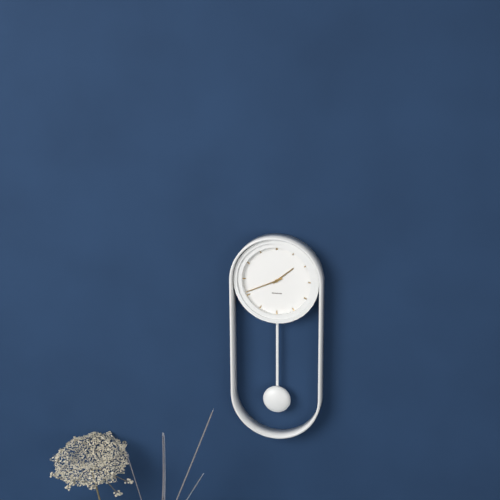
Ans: {"hour": 1, "minute": 41}
